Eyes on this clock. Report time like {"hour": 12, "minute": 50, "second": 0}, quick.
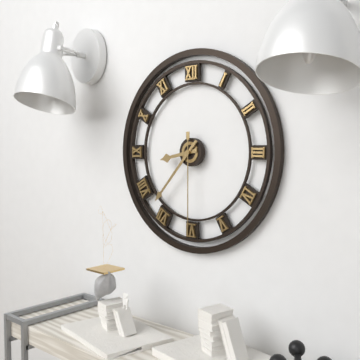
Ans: {"hour": 8, "minute": 37, "second": 30}
